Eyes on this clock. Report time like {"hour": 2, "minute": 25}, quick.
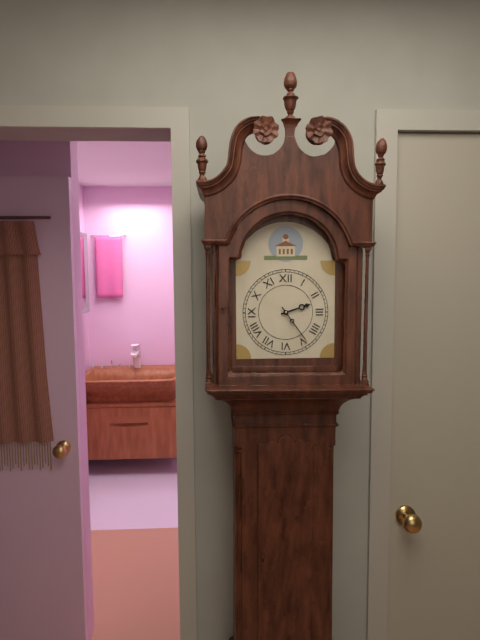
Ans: {"hour": 2, "minute": 24}
